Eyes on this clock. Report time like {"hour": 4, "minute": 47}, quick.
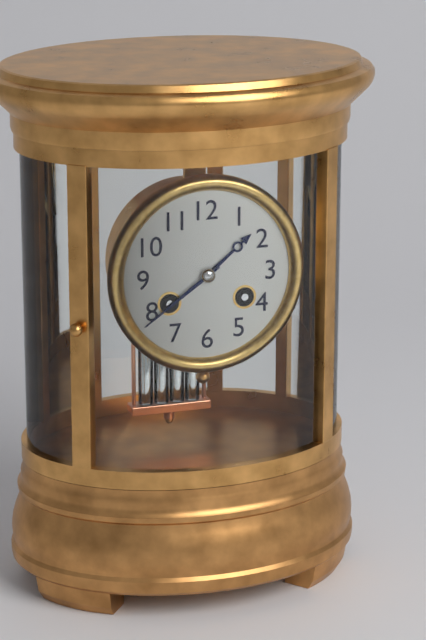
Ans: {"hour": 1, "minute": 39}
